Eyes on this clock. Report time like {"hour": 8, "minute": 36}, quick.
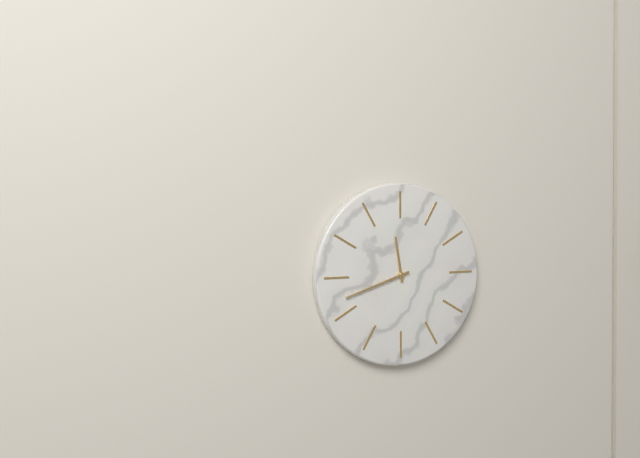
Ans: {"hour": 11, "minute": 42}
